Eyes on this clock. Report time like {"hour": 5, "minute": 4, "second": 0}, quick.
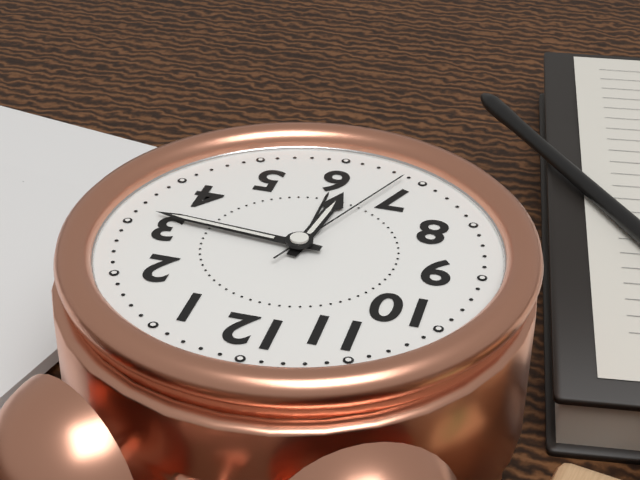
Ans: {"hour": 6, "minute": 16, "second": 34}
